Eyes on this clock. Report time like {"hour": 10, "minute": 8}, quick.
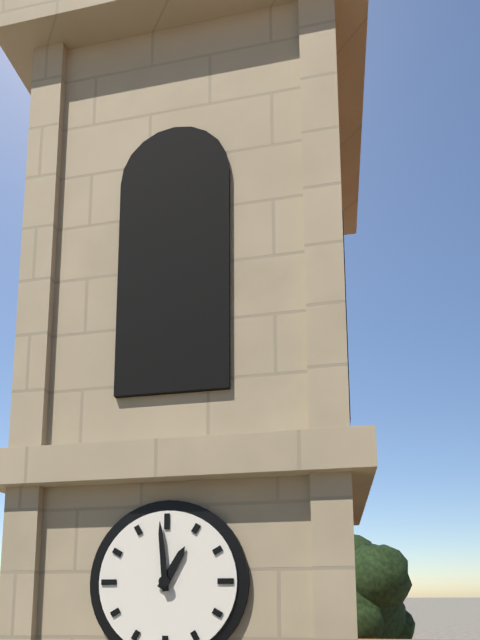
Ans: {"hour": 12, "minute": 59}
